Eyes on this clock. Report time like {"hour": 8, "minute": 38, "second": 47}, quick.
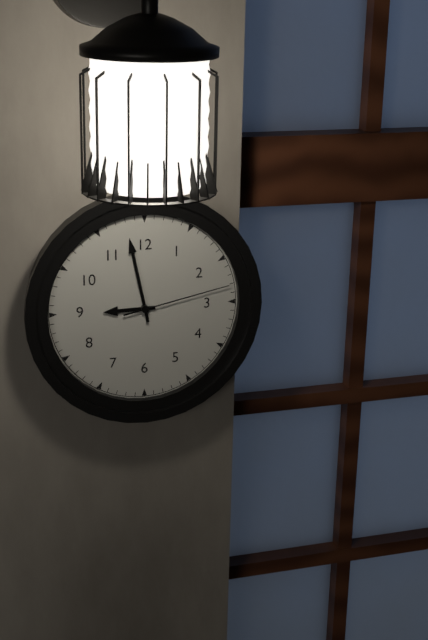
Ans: {"hour": 8, "minute": 58, "second": 13}
